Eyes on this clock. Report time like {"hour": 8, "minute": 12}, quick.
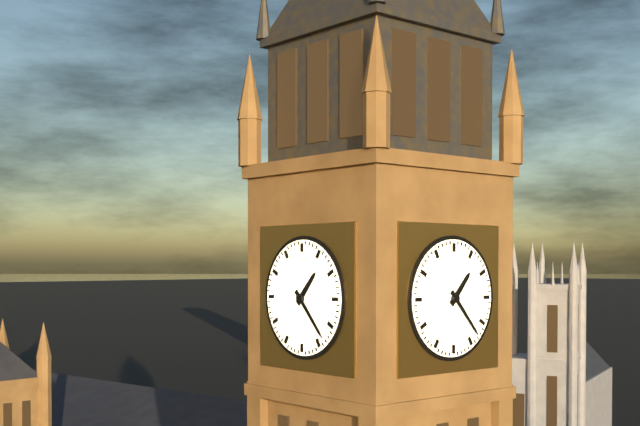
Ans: {"hour": 1, "minute": 23}
